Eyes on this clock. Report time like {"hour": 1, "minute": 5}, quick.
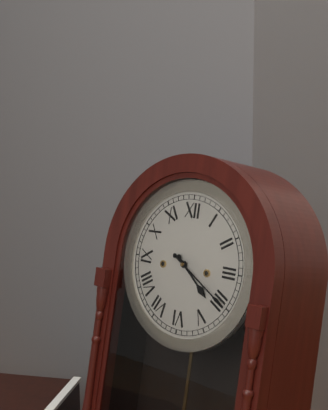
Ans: {"hour": 4, "minute": 20}
